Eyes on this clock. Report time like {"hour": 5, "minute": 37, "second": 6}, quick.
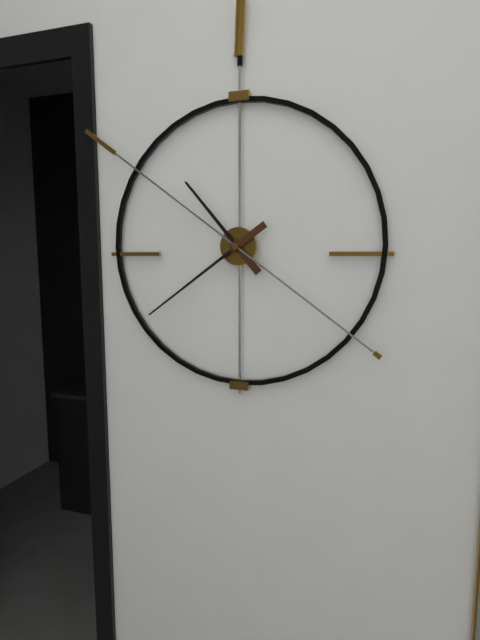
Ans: {"hour": 10, "minute": 39, "second": 51}
